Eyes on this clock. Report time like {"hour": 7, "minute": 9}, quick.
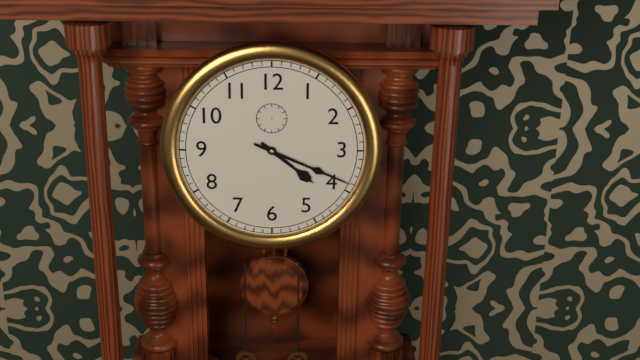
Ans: {"hour": 4, "minute": 19}
